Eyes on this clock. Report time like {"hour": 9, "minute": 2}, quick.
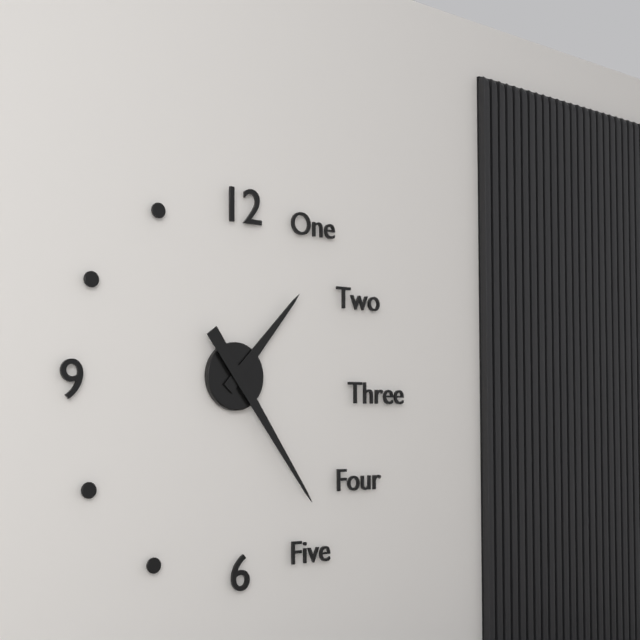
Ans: {"hour": 1, "minute": 24}
